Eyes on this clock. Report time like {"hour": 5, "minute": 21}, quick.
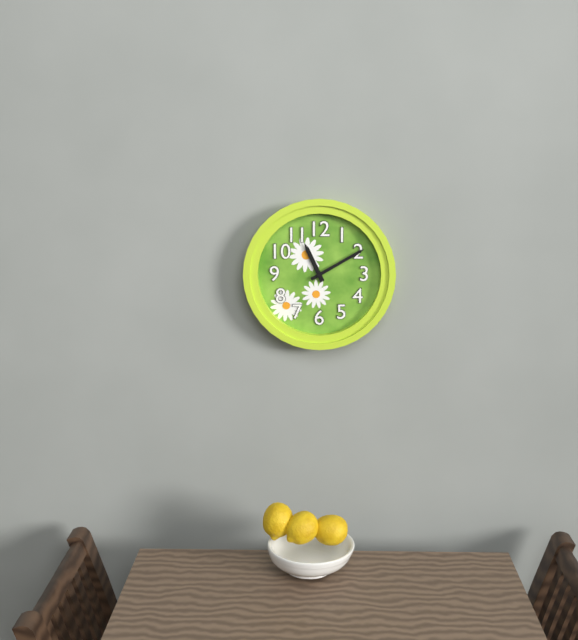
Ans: {"hour": 11, "minute": 10}
